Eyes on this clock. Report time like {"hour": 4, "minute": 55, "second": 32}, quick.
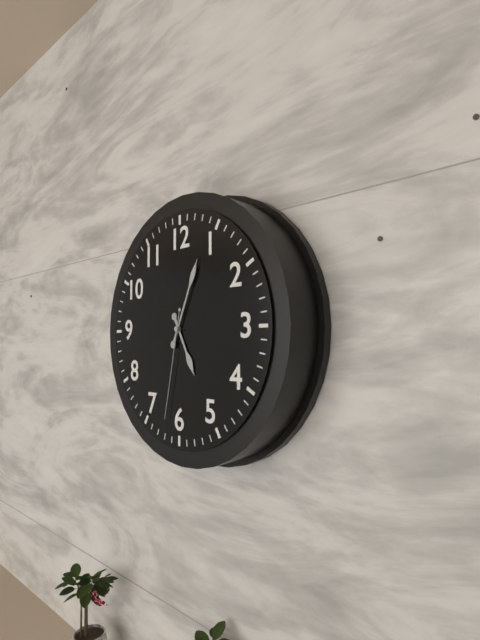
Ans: {"hour": 5, "minute": 4, "second": 32}
